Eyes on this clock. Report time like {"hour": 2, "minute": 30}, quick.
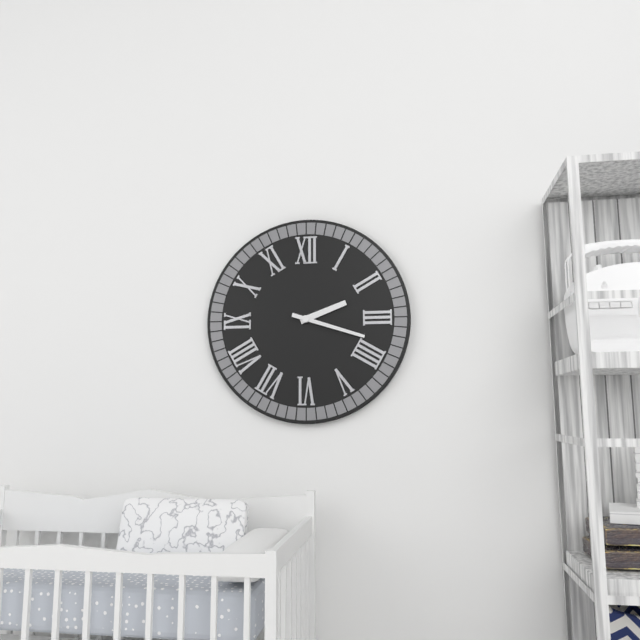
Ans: {"hour": 2, "minute": 18}
